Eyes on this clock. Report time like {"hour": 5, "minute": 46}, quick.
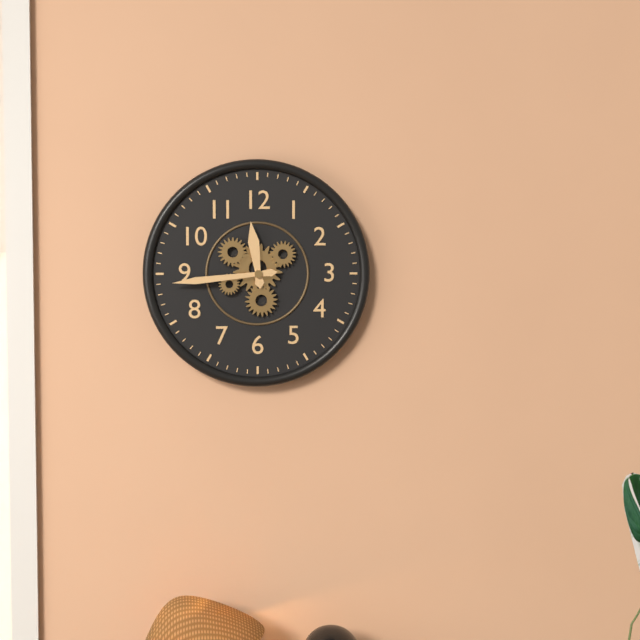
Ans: {"hour": 11, "minute": 44}
